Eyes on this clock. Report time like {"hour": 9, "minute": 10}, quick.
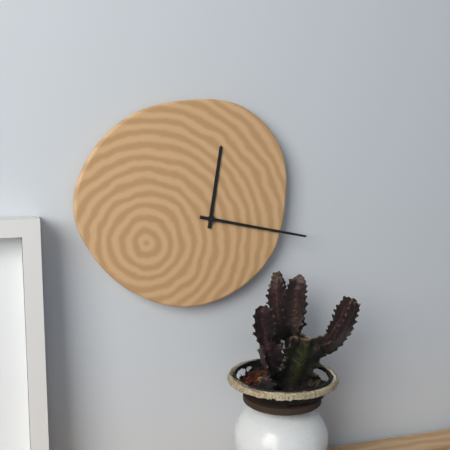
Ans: {"hour": 12, "minute": 17}
